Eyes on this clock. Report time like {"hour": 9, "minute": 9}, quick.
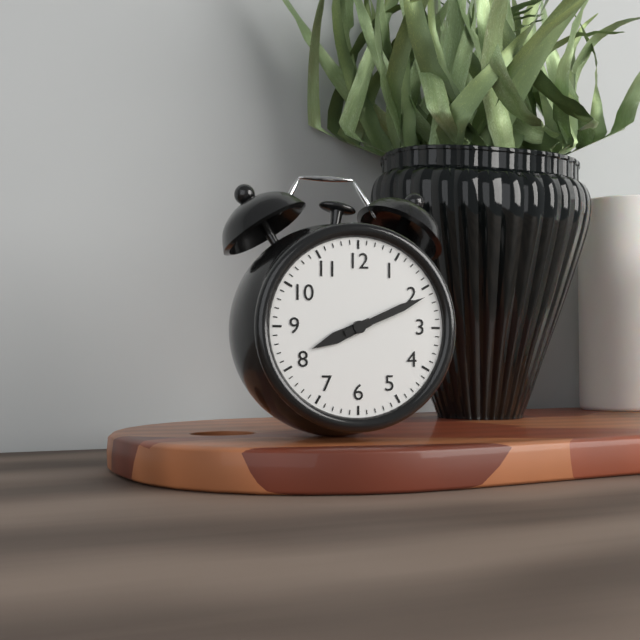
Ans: {"hour": 8, "minute": 11}
